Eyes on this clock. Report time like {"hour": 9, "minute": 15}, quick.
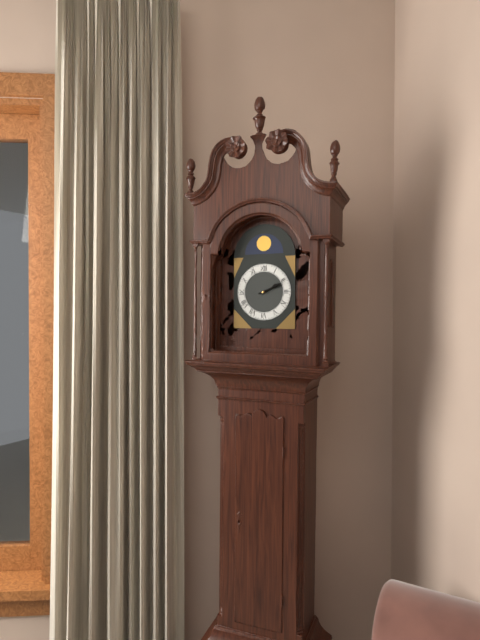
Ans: {"hour": 2, "minute": 11}
